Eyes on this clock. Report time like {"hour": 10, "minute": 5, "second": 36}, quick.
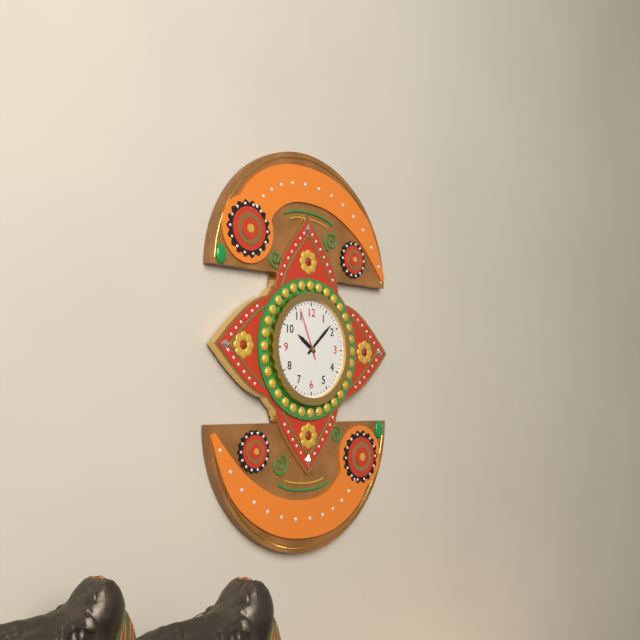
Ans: {"hour": 10, "minute": 8, "second": 56}
